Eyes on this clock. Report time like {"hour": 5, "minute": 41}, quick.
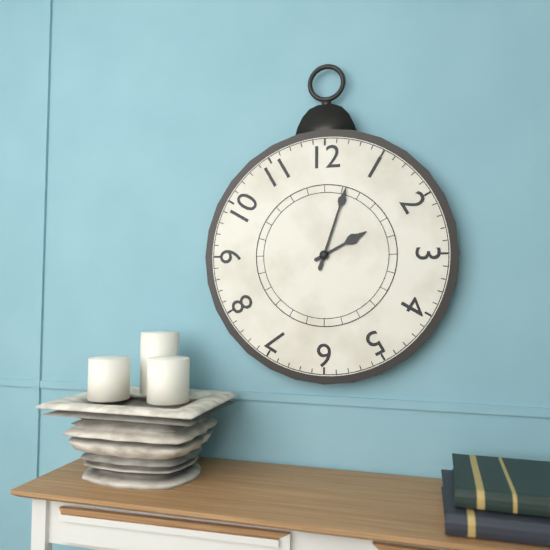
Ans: {"hour": 2, "minute": 3}
